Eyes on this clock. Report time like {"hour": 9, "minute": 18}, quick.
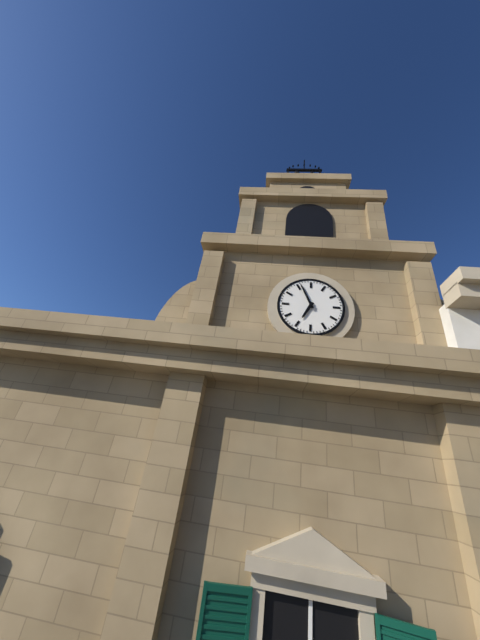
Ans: {"hour": 6, "minute": 56}
